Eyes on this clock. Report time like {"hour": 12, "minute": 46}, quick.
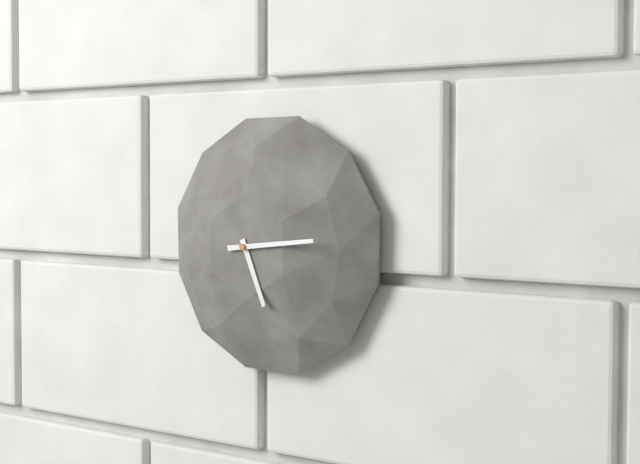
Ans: {"hour": 5, "minute": 14}
